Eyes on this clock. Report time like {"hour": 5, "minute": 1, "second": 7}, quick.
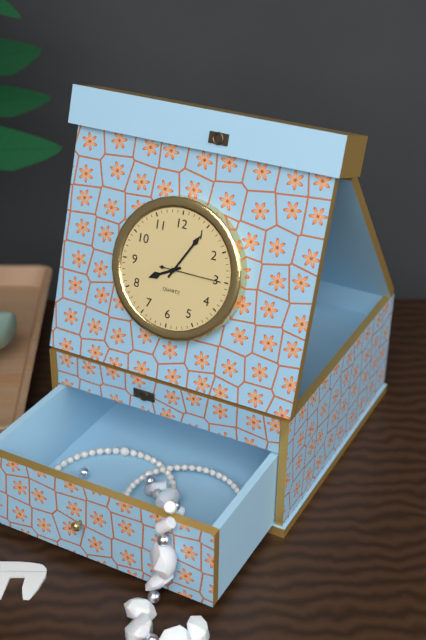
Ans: {"hour": 8, "minute": 5, "second": 15}
